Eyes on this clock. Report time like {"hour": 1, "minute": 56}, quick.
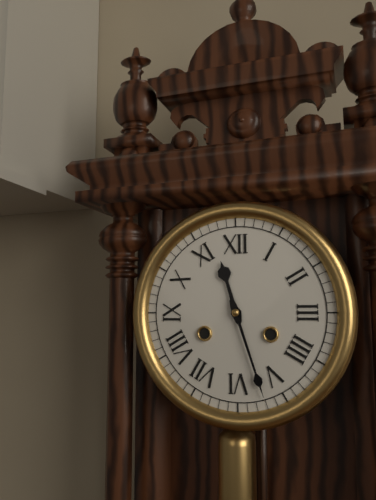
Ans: {"hour": 11, "minute": 27}
